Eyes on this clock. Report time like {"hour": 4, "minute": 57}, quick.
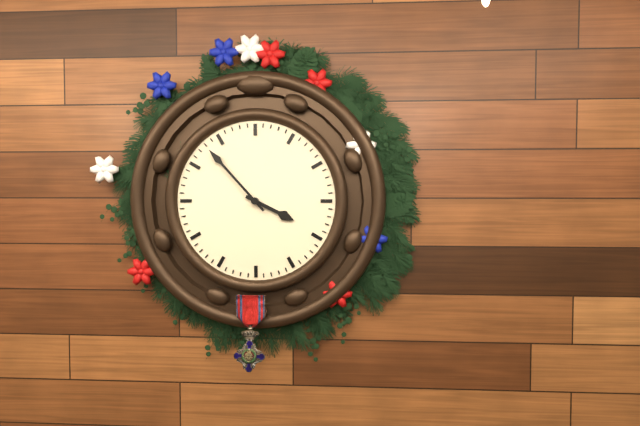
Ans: {"hour": 3, "minute": 53}
